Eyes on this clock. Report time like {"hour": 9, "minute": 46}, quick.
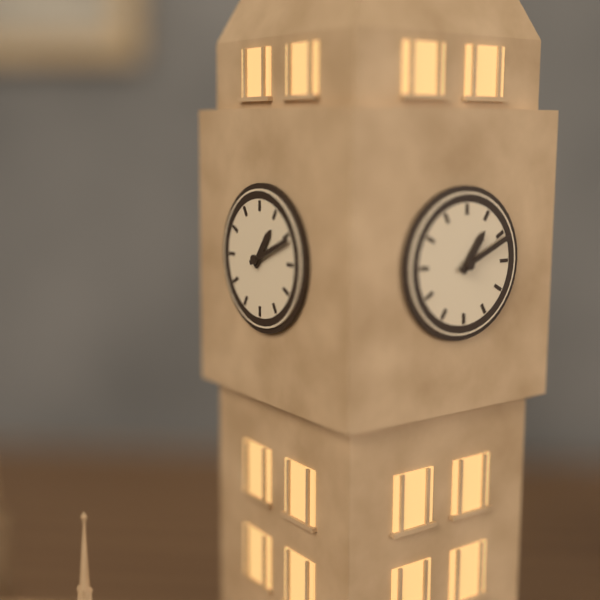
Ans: {"hour": 1, "minute": 11}
